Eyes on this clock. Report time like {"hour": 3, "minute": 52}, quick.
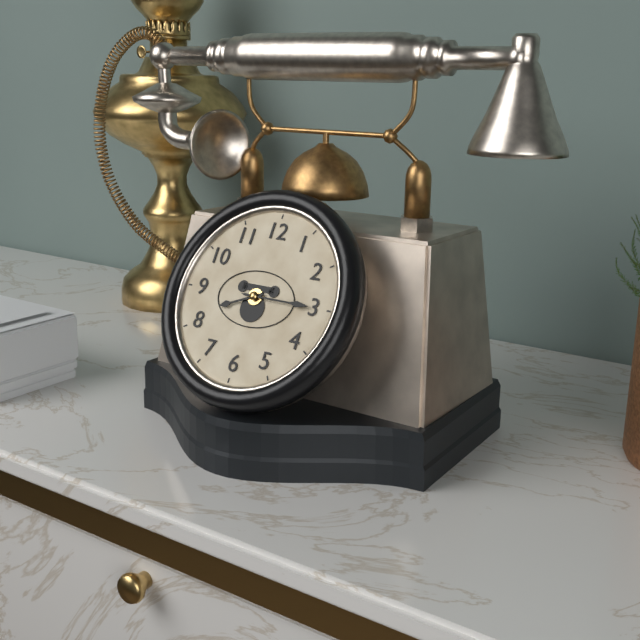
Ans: {"hour": 8, "minute": 15}
